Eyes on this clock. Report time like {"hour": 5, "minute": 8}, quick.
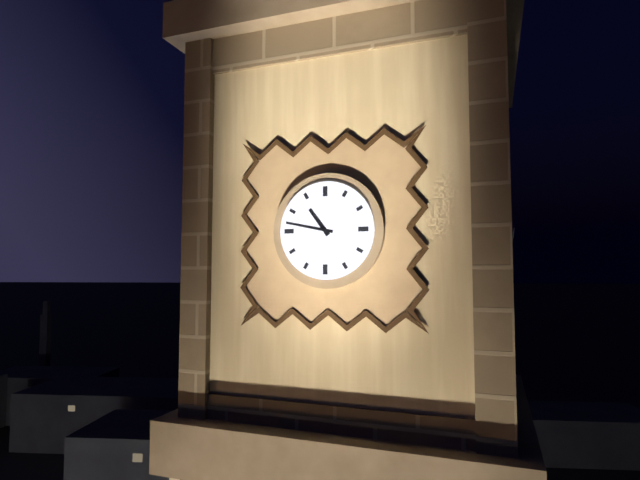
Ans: {"hour": 10, "minute": 47}
